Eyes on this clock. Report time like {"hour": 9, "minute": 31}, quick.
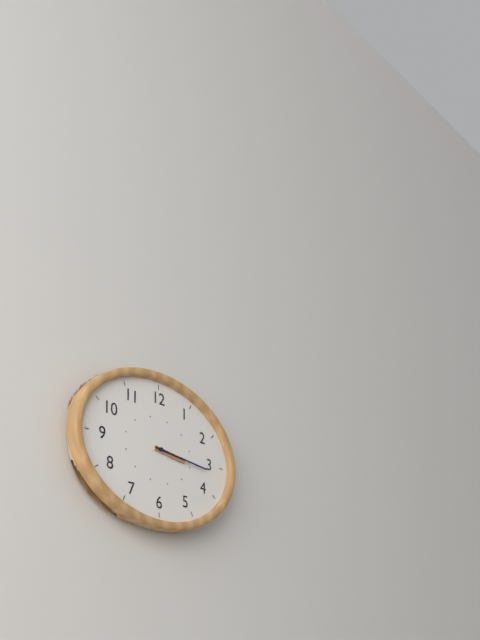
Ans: {"hour": 3, "minute": 16}
